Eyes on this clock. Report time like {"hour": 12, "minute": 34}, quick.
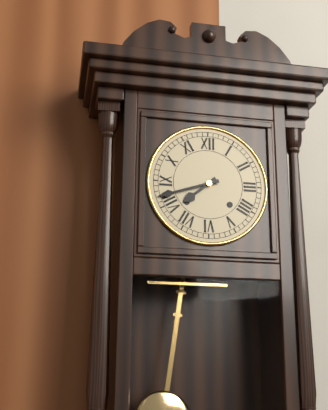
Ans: {"hour": 7, "minute": 42}
